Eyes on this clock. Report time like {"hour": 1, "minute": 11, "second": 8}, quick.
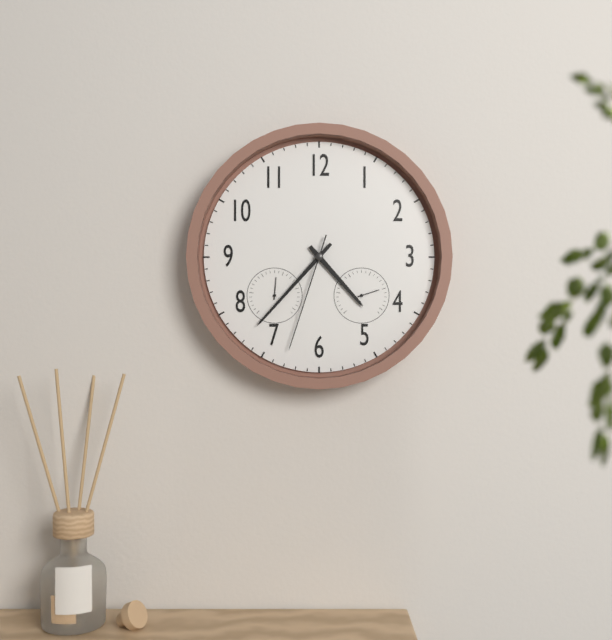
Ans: {"hour": 4, "minute": 37, "second": 33}
